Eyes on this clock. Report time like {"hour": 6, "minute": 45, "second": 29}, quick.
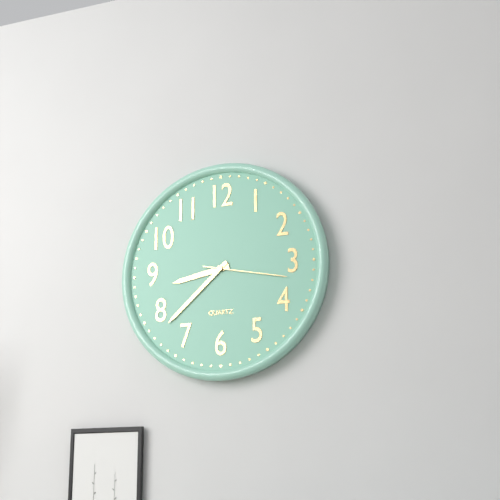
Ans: {"hour": 8, "minute": 38, "second": 17}
